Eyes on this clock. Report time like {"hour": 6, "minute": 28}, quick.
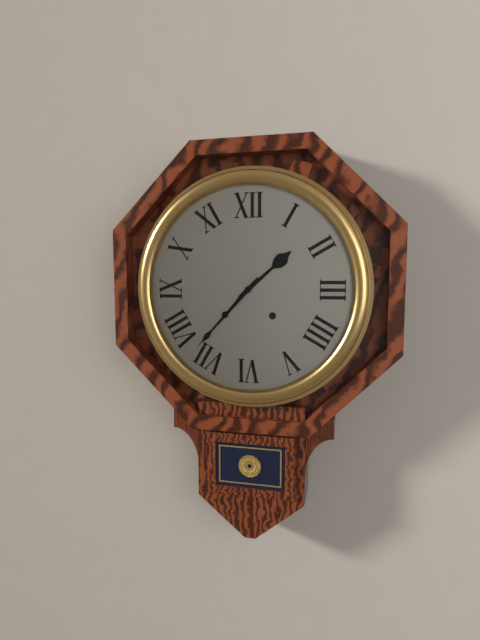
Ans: {"hour": 1, "minute": 37}
